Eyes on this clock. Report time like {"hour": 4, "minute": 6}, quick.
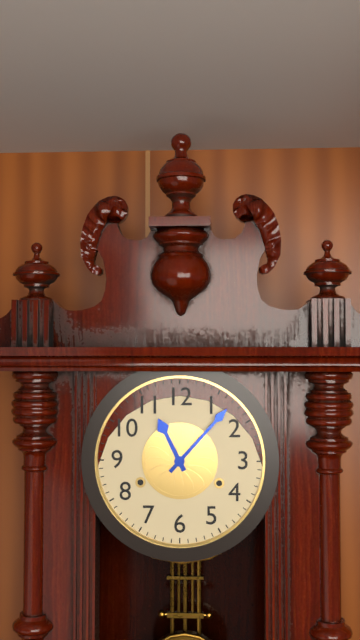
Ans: {"hour": 11, "minute": 7}
